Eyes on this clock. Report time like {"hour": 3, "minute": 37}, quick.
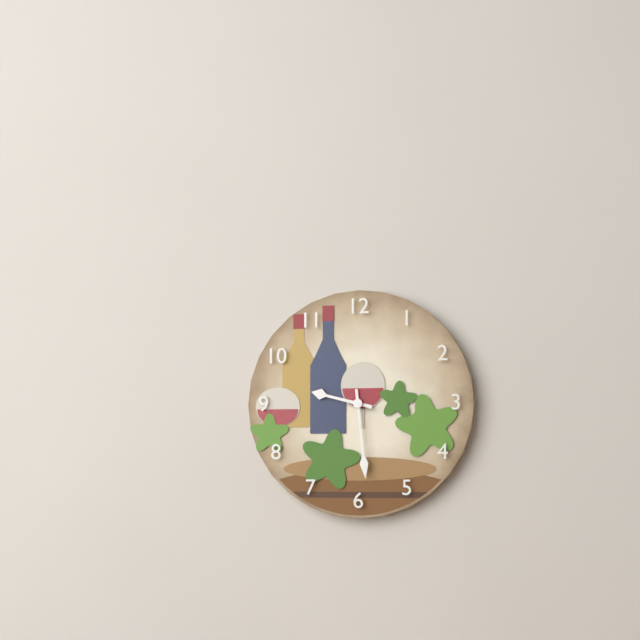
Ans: {"hour": 9, "minute": 29}
